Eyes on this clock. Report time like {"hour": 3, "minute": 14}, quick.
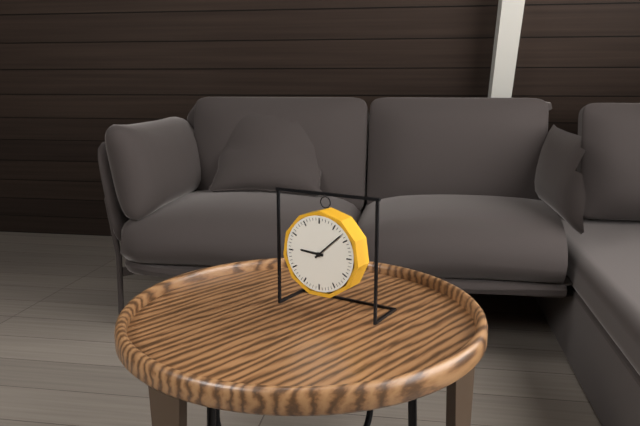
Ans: {"hour": 9, "minute": 8}
